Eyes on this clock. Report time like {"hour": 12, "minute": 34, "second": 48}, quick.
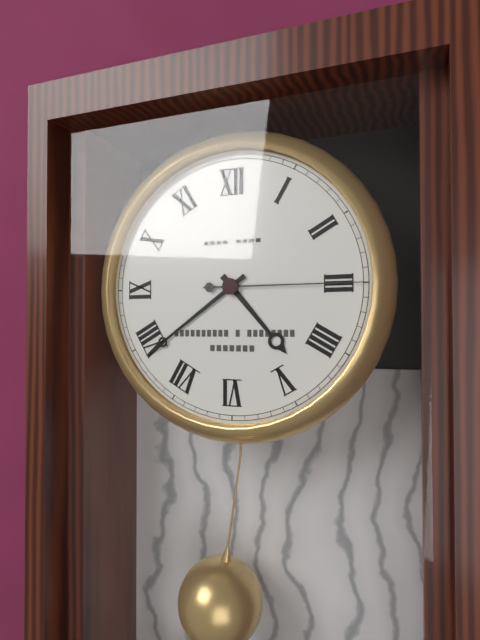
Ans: {"hour": 4, "minute": 39, "second": 15}
